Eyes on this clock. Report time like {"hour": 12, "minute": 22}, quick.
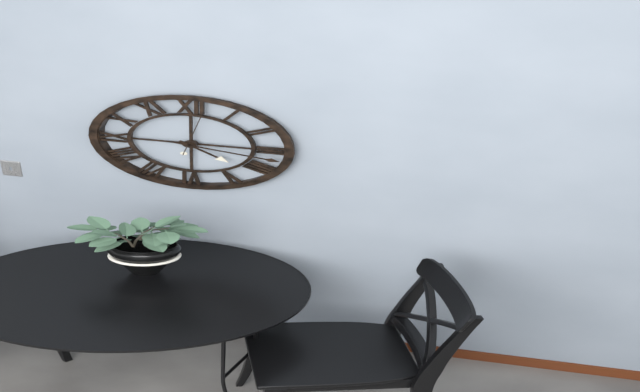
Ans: {"hour": 4, "minute": 17}
